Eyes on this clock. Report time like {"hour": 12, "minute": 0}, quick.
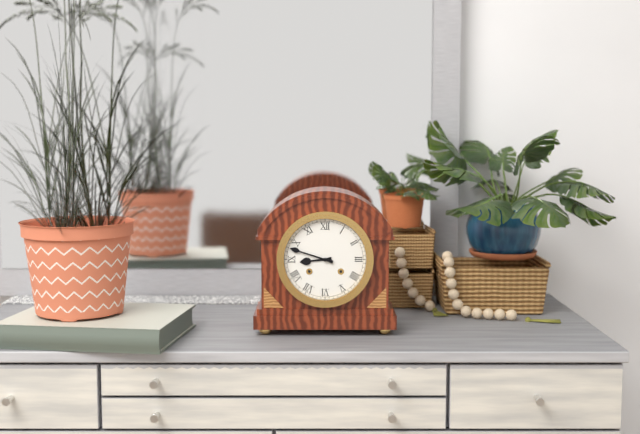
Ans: {"hour": 8, "minute": 48}
